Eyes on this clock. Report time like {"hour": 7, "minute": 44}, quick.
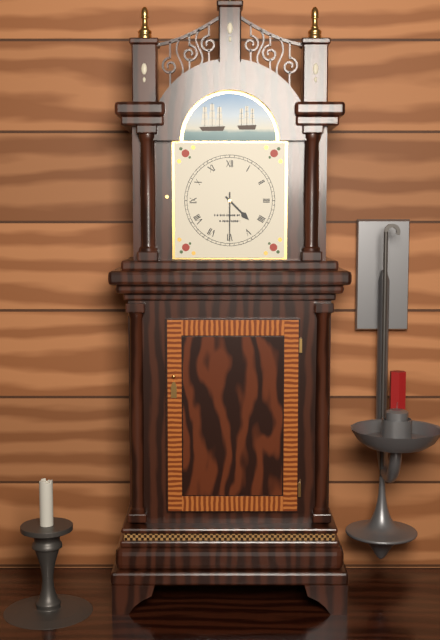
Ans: {"hour": 4, "minute": 30}
